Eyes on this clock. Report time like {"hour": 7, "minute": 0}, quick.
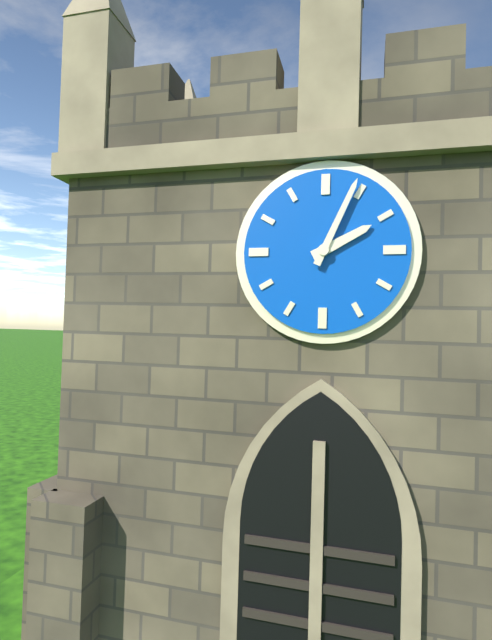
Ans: {"hour": 2, "minute": 4}
